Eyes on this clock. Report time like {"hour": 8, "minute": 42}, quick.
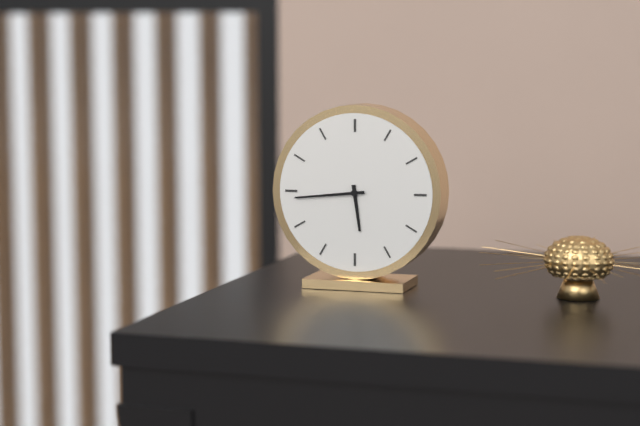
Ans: {"hour": 5, "minute": 44}
